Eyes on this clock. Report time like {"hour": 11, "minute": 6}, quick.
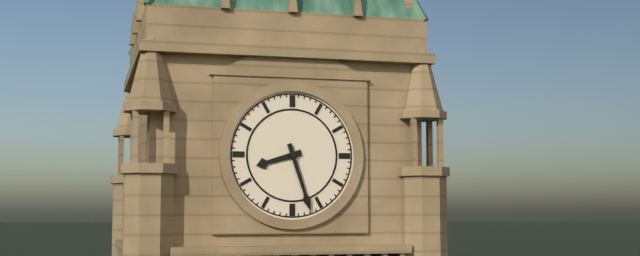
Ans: {"hour": 8, "minute": 27}
